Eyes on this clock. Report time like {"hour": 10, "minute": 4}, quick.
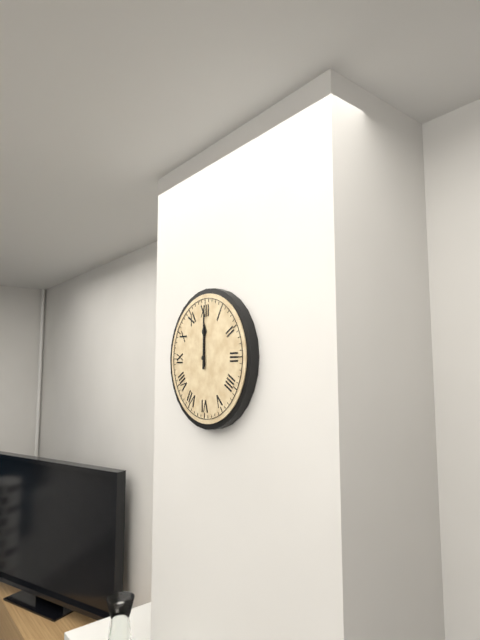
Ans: {"hour": 12, "minute": 0}
